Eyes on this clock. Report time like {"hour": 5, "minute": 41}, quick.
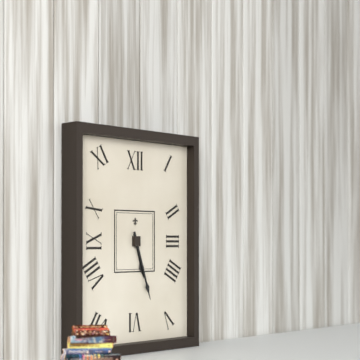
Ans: {"hour": 5, "minute": 27}
